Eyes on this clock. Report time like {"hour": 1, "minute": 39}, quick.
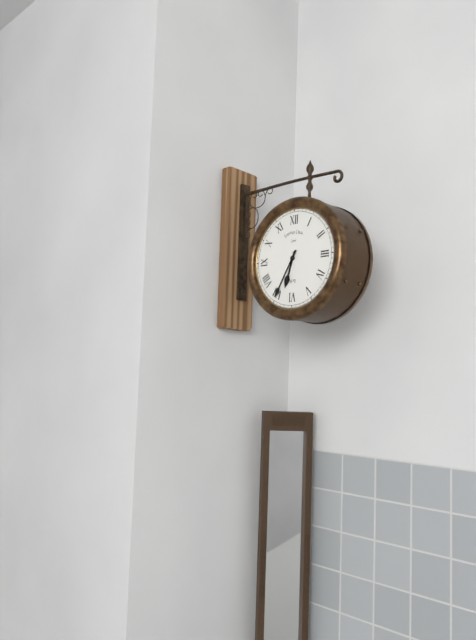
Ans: {"hour": 6, "minute": 35}
